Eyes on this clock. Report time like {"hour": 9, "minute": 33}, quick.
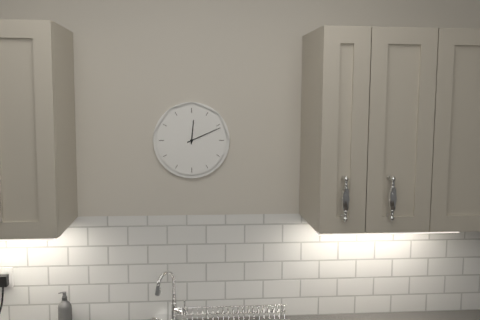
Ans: {"hour": 12, "minute": 11}
